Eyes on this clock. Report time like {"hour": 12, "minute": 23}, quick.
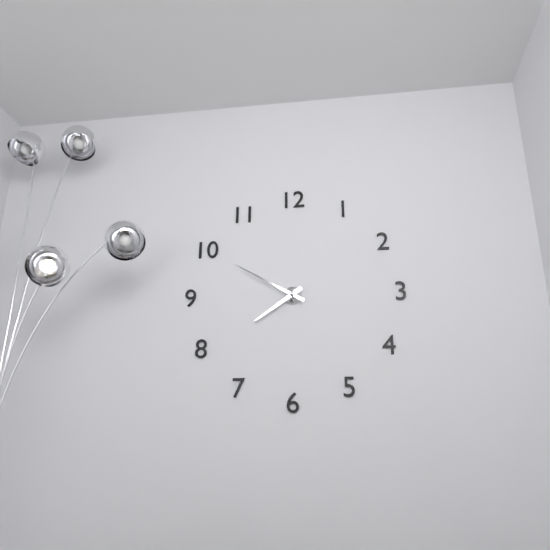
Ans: {"hour": 7, "minute": 50}
